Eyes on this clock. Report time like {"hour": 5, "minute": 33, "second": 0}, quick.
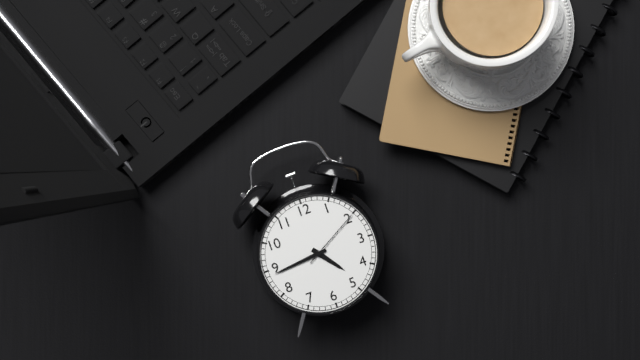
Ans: {"hour": 4, "minute": 44, "second": 10}
